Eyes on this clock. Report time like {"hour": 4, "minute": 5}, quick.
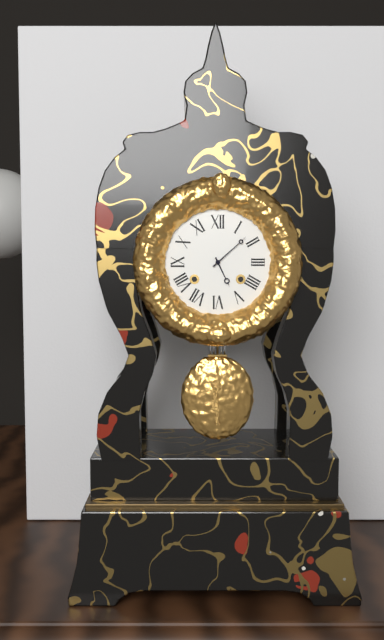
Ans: {"hour": 5, "minute": 8}
